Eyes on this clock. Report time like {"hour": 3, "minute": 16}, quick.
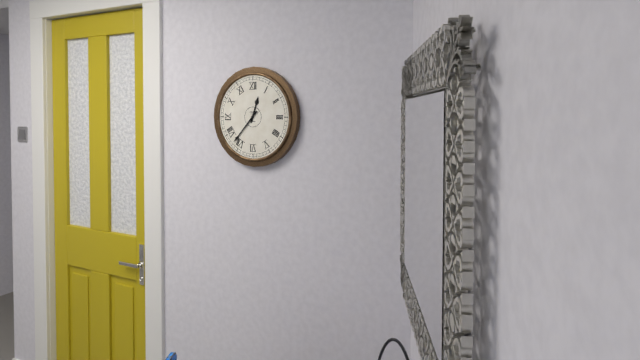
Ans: {"hour": 12, "minute": 37}
